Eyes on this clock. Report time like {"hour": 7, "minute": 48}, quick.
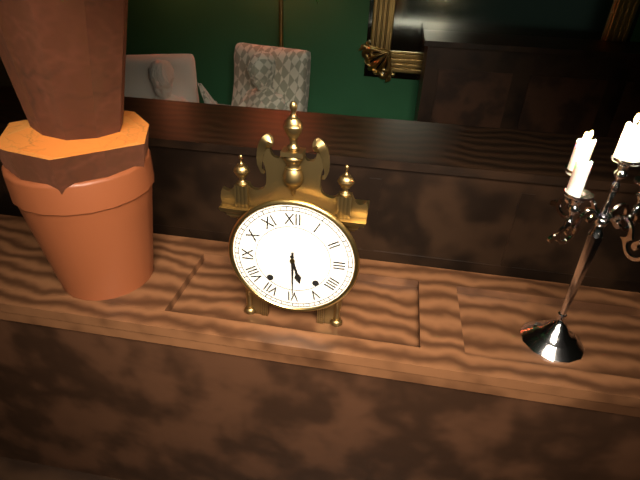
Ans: {"hour": 5, "minute": 30}
